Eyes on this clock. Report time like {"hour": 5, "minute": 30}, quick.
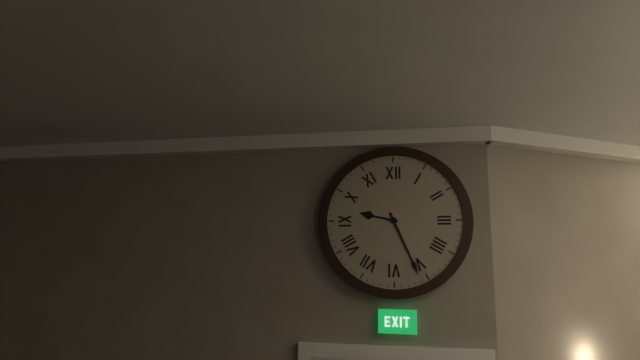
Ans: {"hour": 9, "minute": 26}
